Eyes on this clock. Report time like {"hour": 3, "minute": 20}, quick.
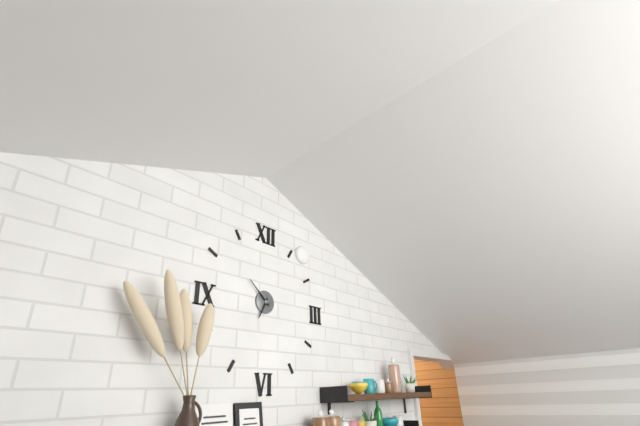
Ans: {"hour": 6, "minute": 52}
